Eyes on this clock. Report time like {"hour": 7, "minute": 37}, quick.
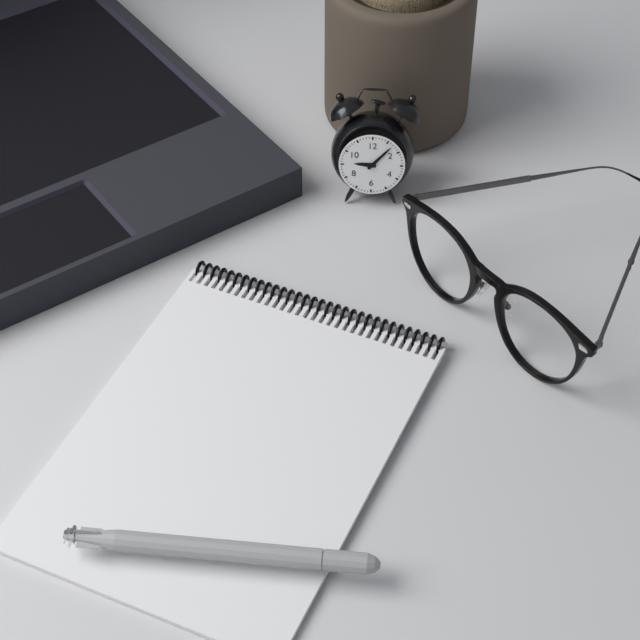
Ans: {"hour": 9, "minute": 7}
